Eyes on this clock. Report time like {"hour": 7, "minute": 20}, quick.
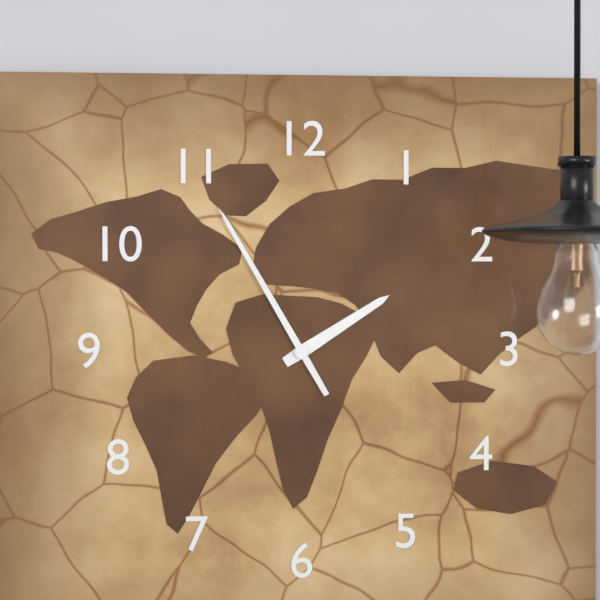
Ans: {"hour": 1, "minute": 55}
